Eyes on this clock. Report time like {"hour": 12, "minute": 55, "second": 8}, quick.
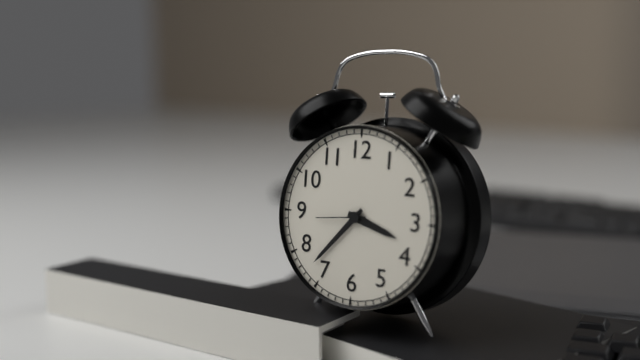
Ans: {"hour": 3, "minute": 37, "second": 44}
